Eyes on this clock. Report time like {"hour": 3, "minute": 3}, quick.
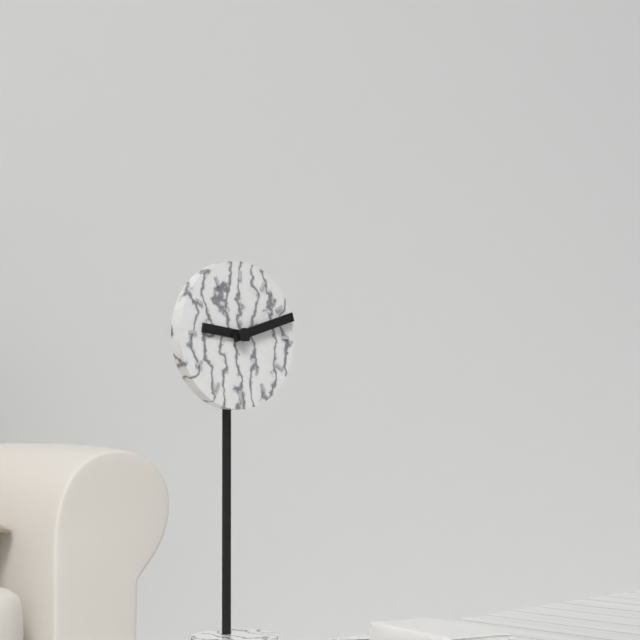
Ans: {"hour": 9, "minute": 12}
